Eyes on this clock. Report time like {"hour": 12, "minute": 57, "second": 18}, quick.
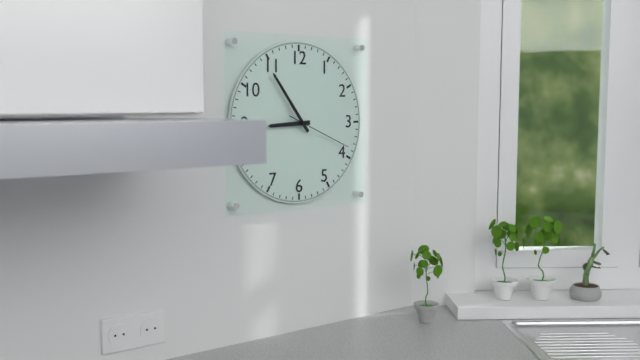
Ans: {"hour": 8, "minute": 54, "second": 19}
